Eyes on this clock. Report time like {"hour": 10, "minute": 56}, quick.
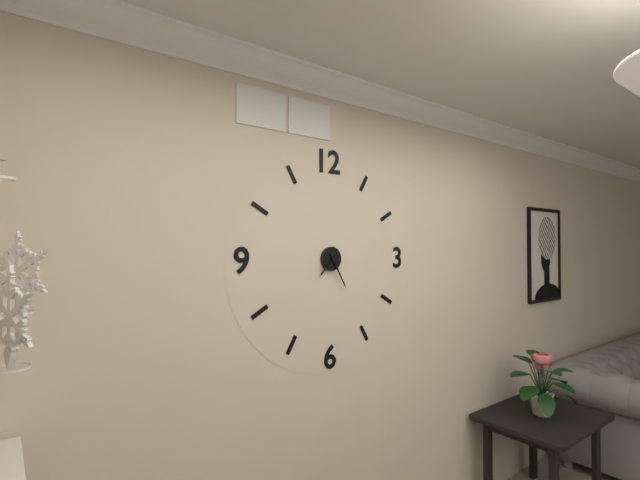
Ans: {"hour": 7, "minute": 25}
